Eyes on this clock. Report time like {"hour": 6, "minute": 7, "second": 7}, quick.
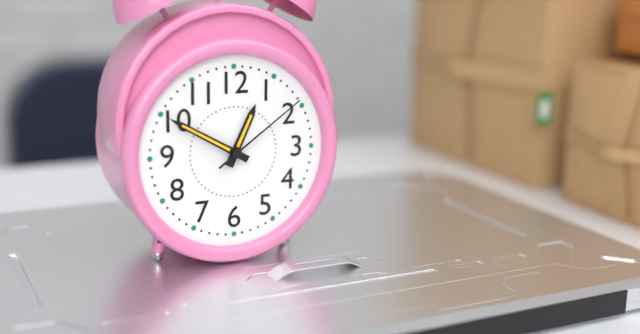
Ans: {"hour": 12, "minute": 50, "second": 9}
